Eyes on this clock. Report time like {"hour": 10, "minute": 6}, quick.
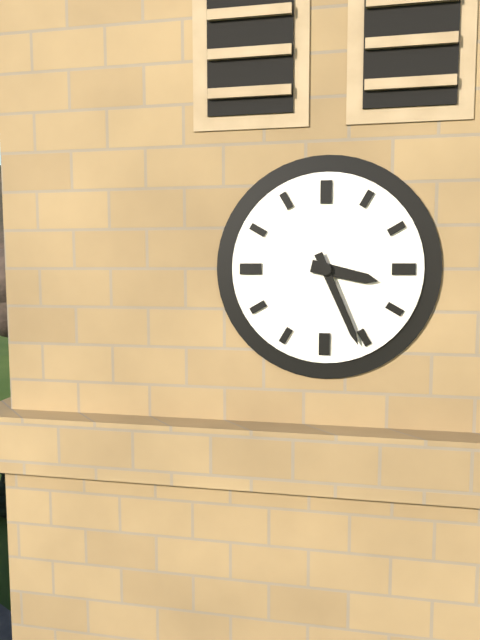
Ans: {"hour": 3, "minute": 26}
